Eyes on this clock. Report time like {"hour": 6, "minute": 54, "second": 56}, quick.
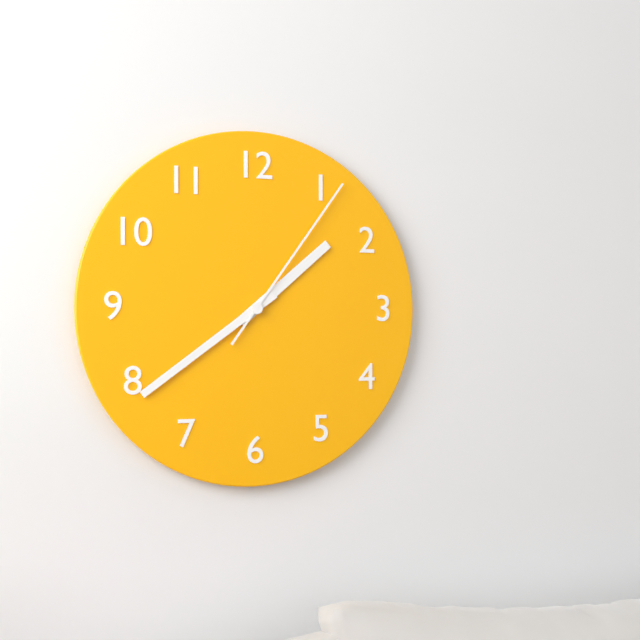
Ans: {"hour": 1, "minute": 39, "second": 6}
